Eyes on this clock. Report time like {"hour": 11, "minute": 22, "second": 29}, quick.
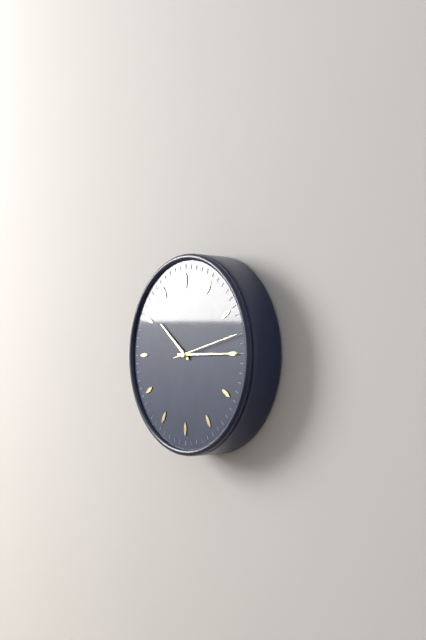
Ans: {"hour": 10, "minute": 15, "second": 13}
